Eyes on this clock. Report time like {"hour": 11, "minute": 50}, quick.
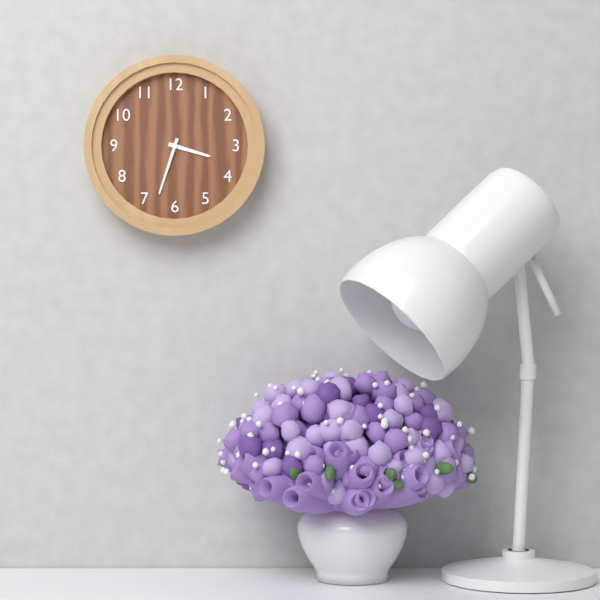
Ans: {"hour": 3, "minute": 33}
